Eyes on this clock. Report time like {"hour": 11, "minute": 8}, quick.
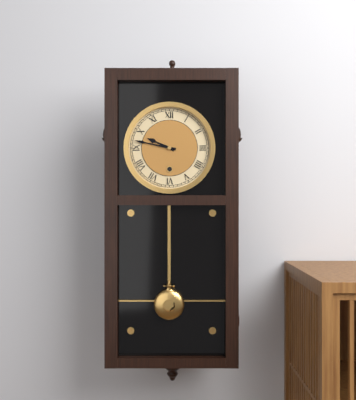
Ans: {"hour": 9, "minute": 47}
